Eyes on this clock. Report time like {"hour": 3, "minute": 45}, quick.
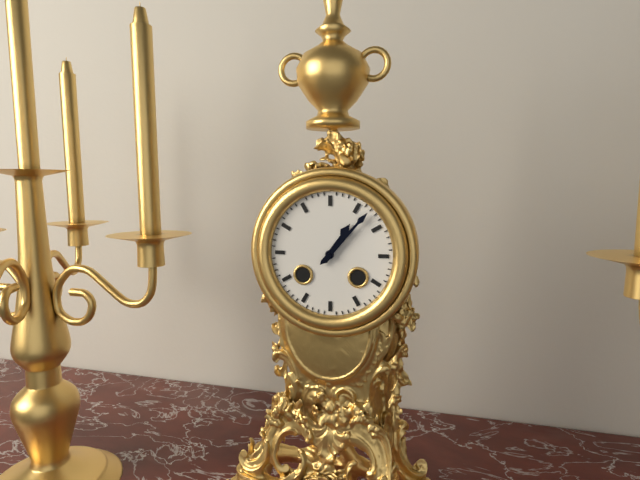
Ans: {"hour": 1, "minute": 7}
